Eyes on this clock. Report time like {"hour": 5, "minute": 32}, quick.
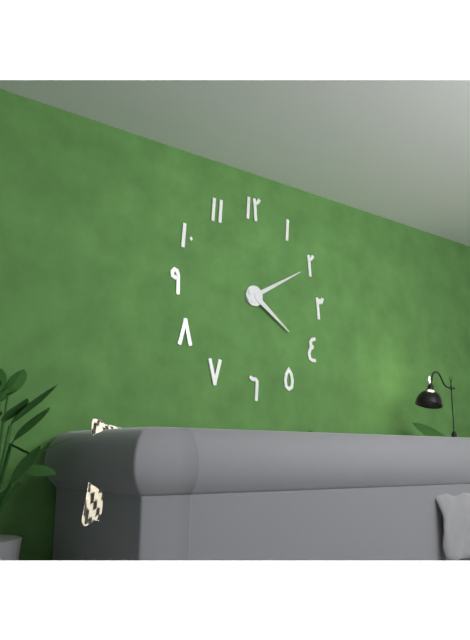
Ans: {"hour": 4, "minute": 10}
